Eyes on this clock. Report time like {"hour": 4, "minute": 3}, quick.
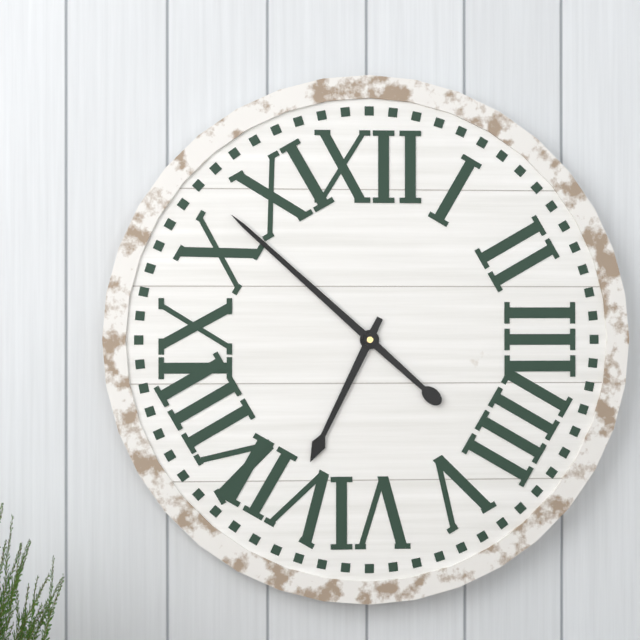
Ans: {"hour": 6, "minute": 52}
